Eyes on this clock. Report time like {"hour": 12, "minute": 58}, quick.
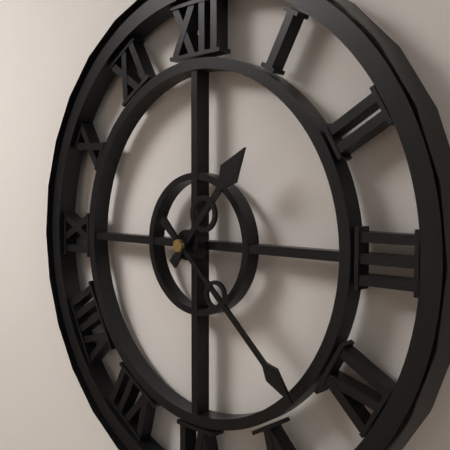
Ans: {"hour": 1, "minute": 22}
